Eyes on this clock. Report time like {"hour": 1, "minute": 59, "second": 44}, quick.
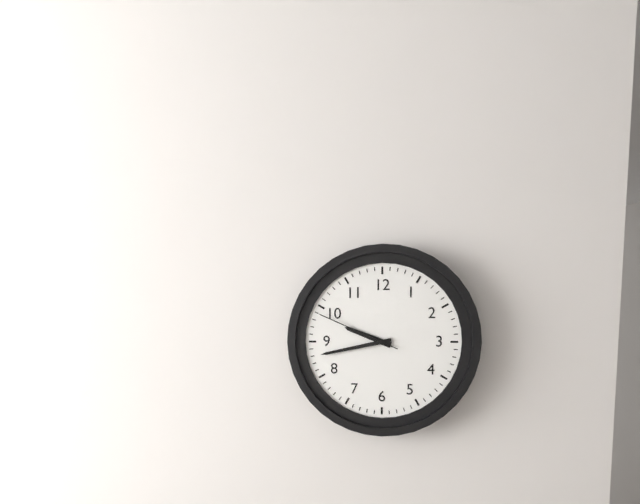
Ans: {"hour": 9, "minute": 43, "second": 49}
